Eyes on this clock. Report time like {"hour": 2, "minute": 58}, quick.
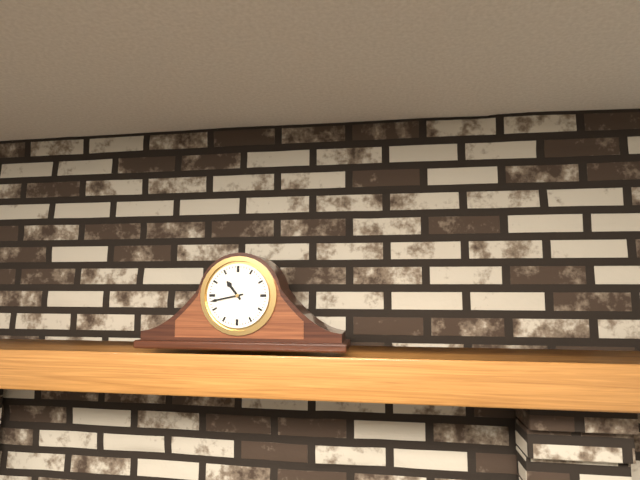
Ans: {"hour": 10, "minute": 43}
